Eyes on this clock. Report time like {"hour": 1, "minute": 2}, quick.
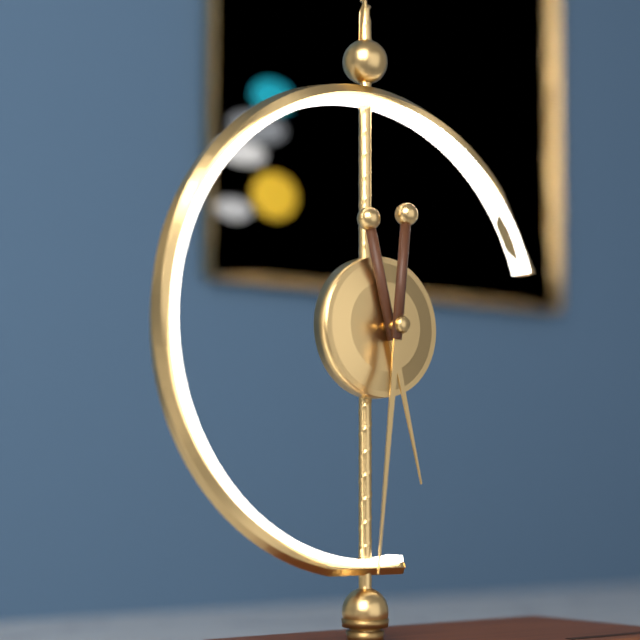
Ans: {"hour": 5, "minute": 31}
